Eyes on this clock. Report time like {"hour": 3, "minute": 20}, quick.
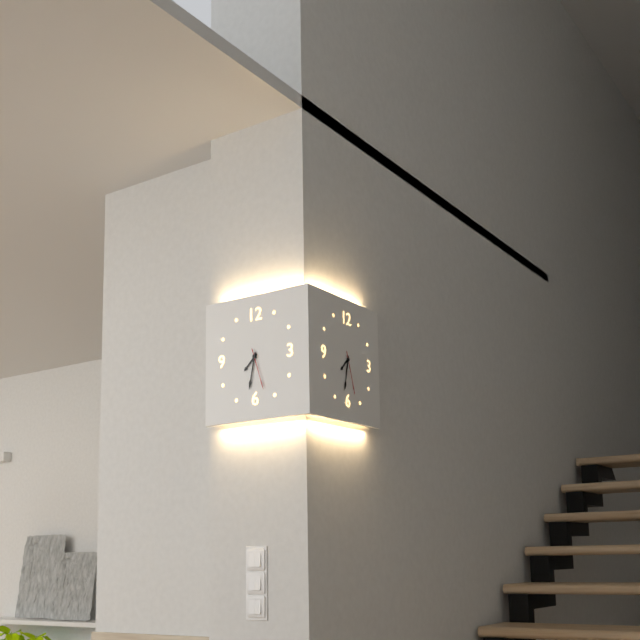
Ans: {"hour": 7, "minute": 32}
